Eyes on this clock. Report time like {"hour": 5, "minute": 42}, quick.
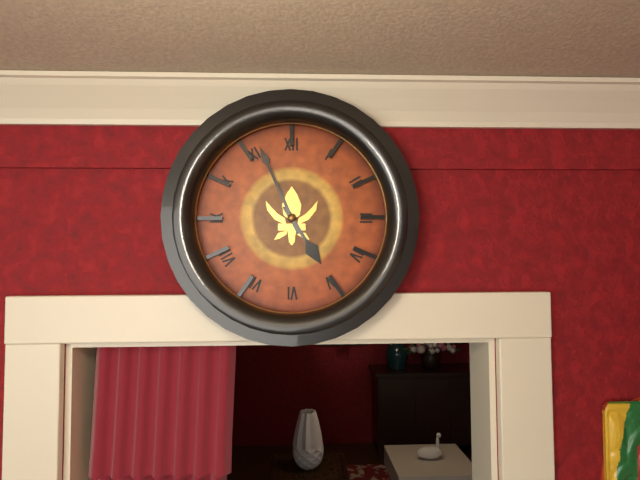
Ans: {"hour": 4, "minute": 56}
